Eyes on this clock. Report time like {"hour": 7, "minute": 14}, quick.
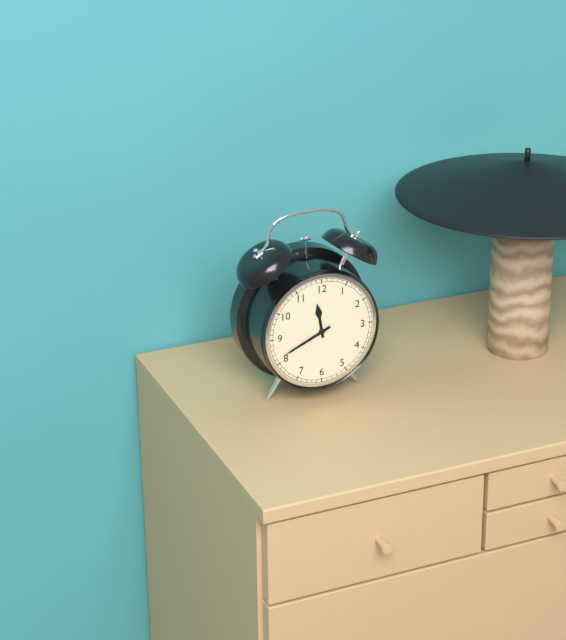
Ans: {"hour": 11, "minute": 41}
